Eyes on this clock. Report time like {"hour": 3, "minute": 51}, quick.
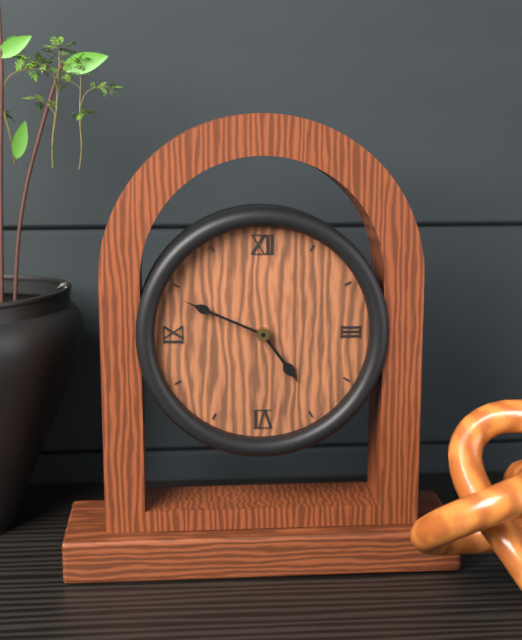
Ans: {"hour": 4, "minute": 49}
